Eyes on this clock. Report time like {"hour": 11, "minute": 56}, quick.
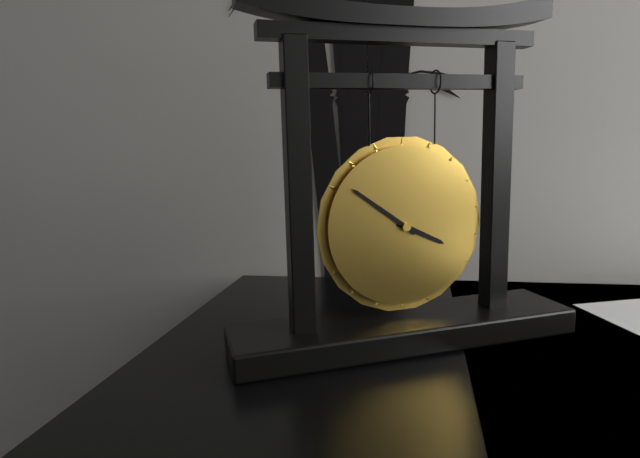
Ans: {"hour": 3, "minute": 51}
